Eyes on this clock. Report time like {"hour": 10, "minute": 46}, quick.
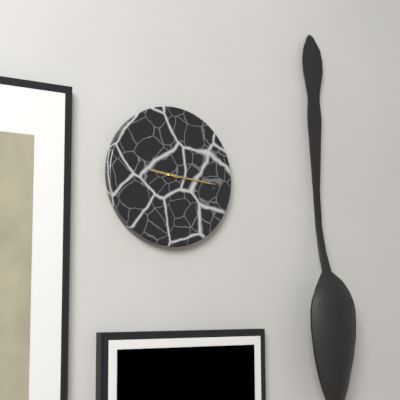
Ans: {"hour": 9, "minute": 16}
